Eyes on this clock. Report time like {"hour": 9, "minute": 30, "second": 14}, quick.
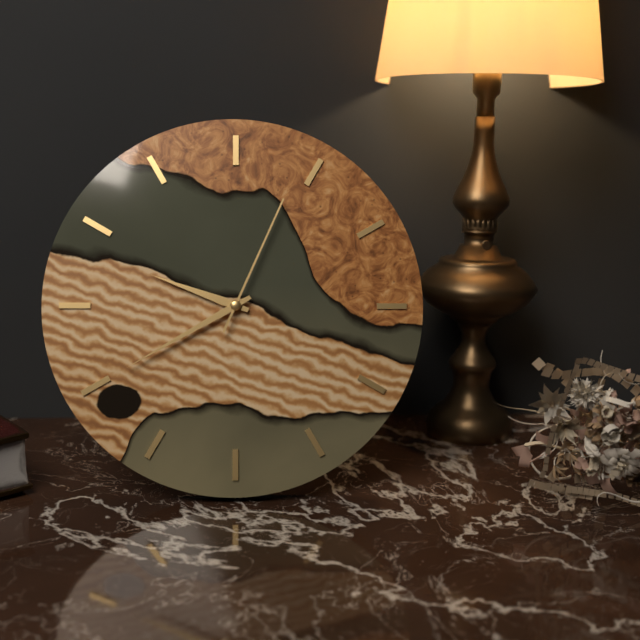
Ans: {"hour": 9, "minute": 40, "second": 4}
